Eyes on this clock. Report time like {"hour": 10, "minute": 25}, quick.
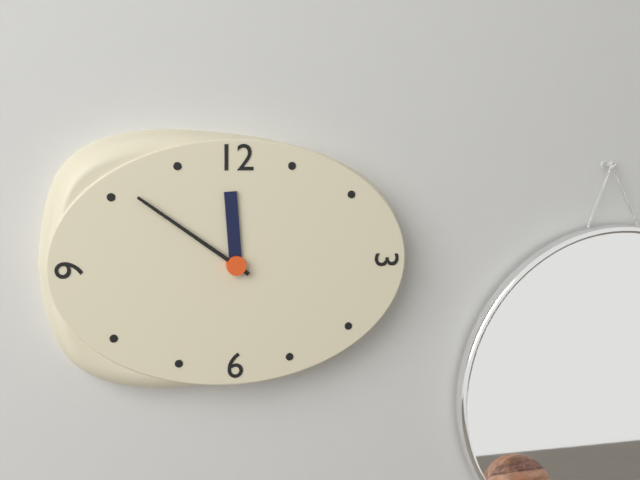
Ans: {"hour": 11, "minute": 51}
